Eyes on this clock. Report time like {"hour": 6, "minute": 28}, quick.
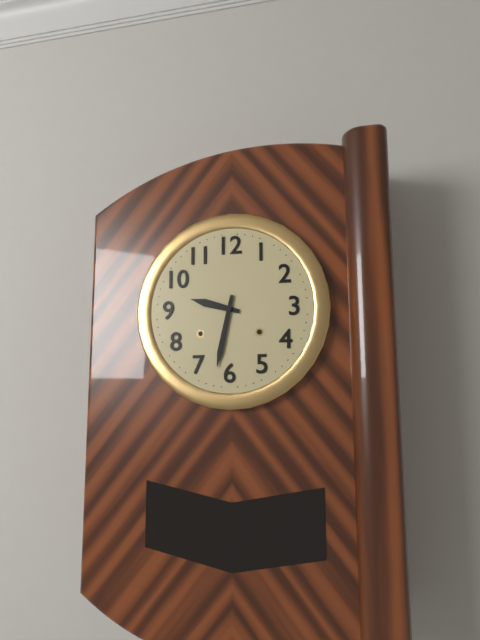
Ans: {"hour": 9, "minute": 32}
